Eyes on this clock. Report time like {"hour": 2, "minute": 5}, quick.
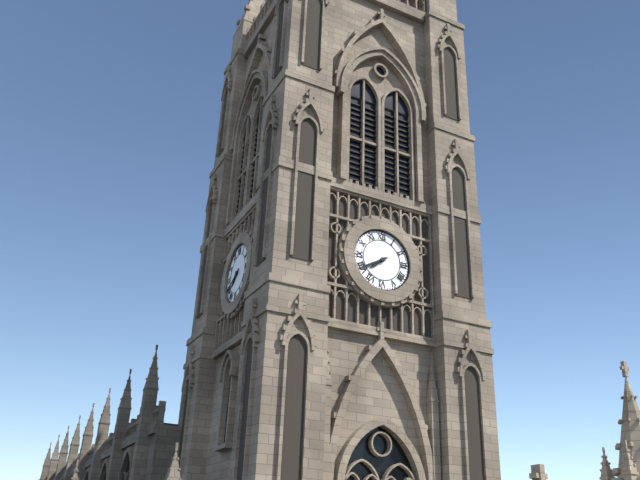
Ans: {"hour": 7, "minute": 40}
